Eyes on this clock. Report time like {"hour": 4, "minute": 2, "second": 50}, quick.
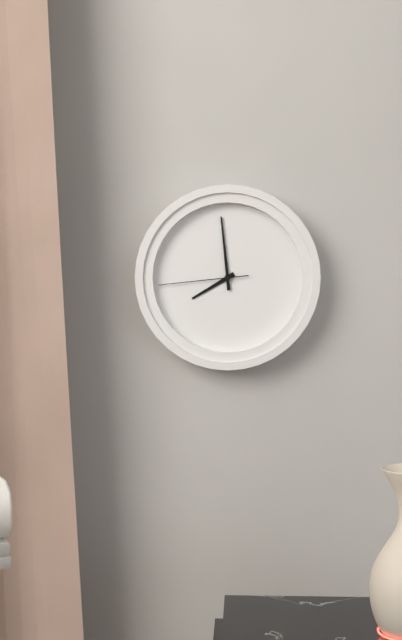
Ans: {"hour": 7, "minute": 59, "second": 44}
